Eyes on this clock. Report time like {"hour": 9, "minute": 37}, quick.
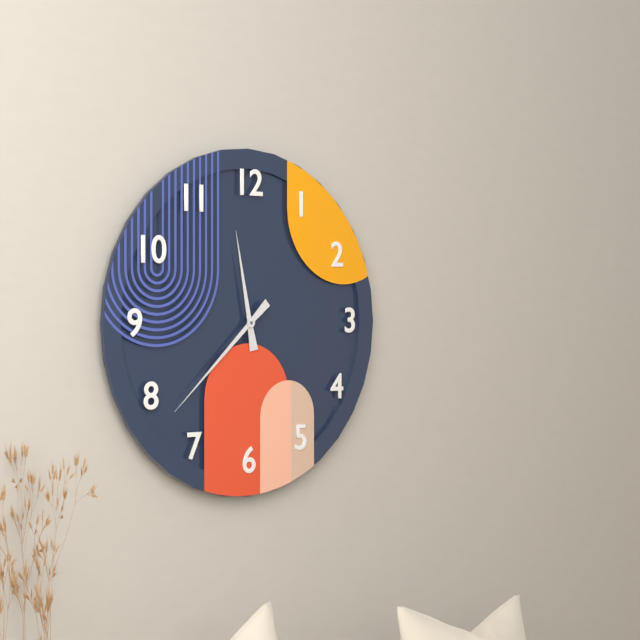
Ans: {"hour": 11, "minute": 38}
